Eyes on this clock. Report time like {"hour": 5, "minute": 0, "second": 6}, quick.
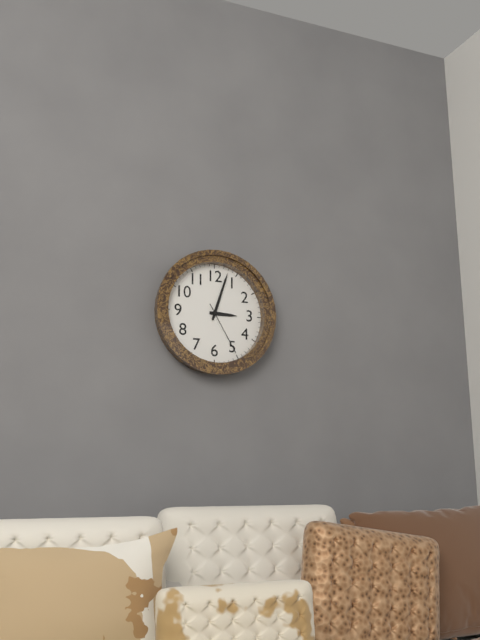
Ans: {"hour": 3, "minute": 3, "second": 25}
